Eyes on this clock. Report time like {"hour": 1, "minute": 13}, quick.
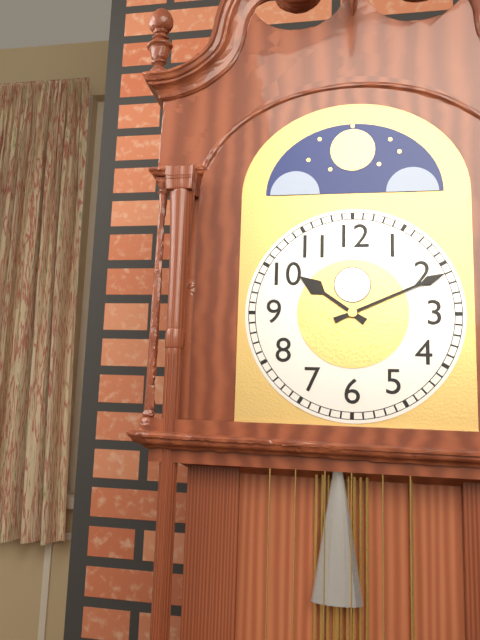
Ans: {"hour": 10, "minute": 11}
